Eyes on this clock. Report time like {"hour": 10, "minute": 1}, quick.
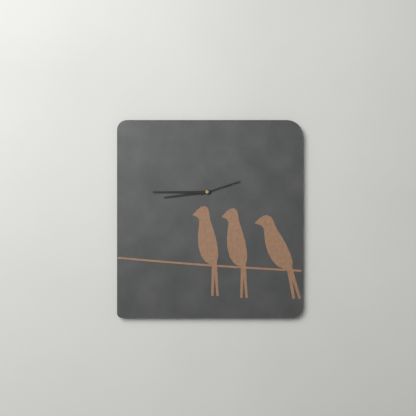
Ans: {"hour": 8, "minute": 45}
